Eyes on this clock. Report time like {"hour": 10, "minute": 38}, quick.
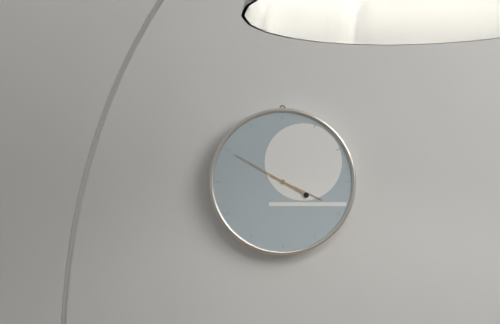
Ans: {"hour": 3, "minute": 50}
